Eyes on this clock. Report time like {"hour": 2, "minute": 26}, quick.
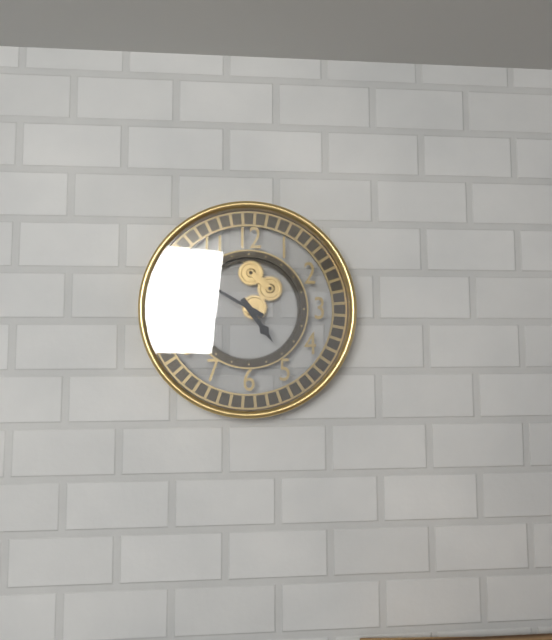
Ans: {"hour": 4, "minute": 50}
